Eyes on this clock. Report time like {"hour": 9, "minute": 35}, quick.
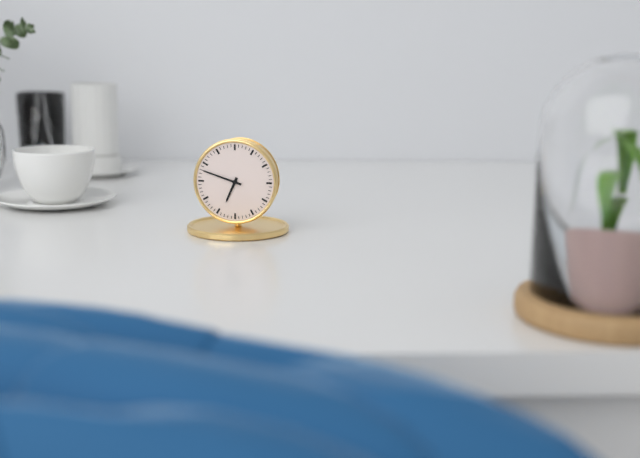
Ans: {"hour": 6, "minute": 48}
